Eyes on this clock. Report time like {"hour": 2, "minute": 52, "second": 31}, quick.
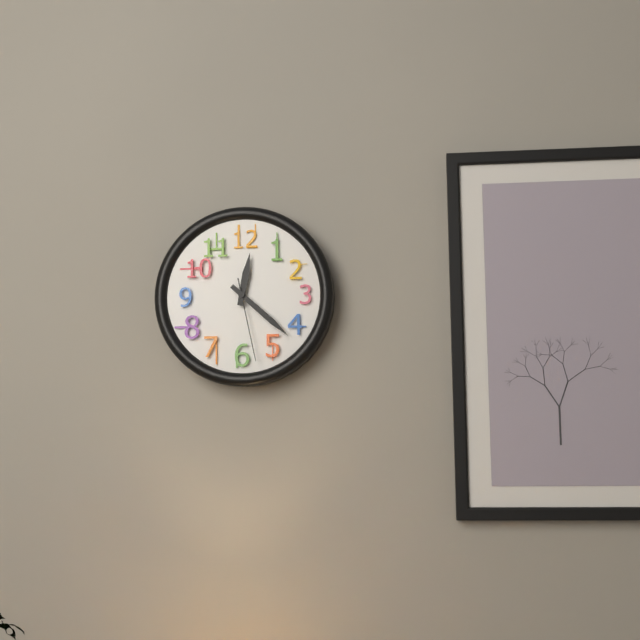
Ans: {"hour": 12, "minute": 22, "second": 28}
